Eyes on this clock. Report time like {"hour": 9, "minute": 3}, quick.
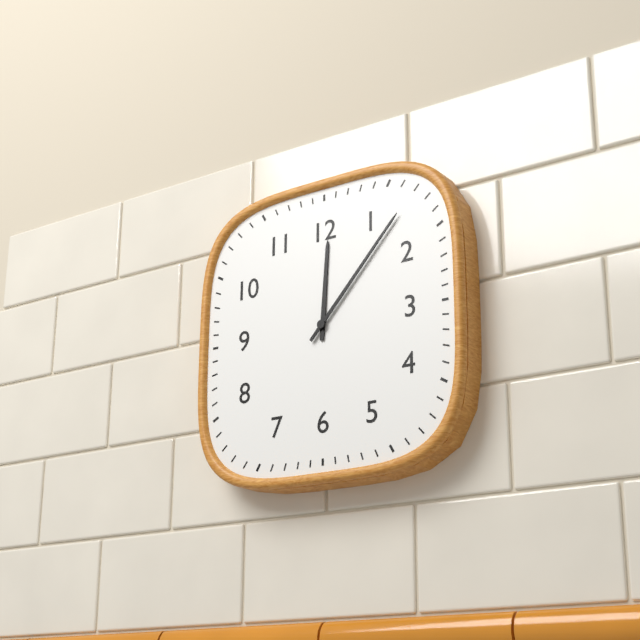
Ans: {"hour": 12, "minute": 7}
